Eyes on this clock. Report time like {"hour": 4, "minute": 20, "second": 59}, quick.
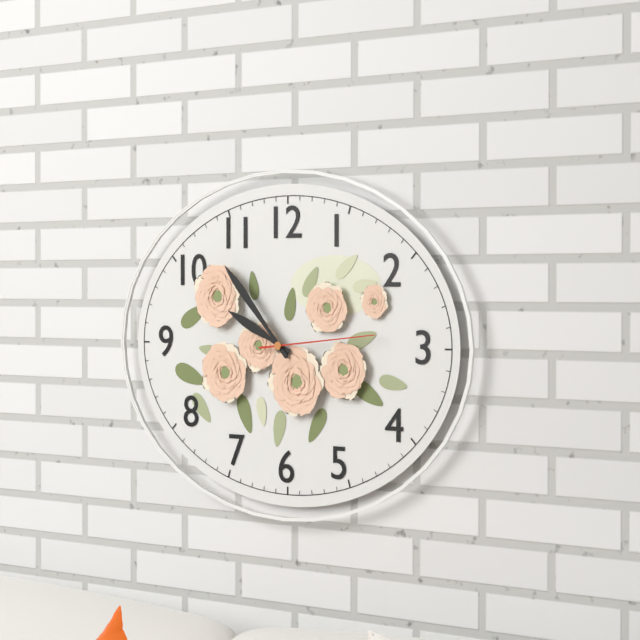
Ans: {"hour": 9, "minute": 53, "second": 14}
